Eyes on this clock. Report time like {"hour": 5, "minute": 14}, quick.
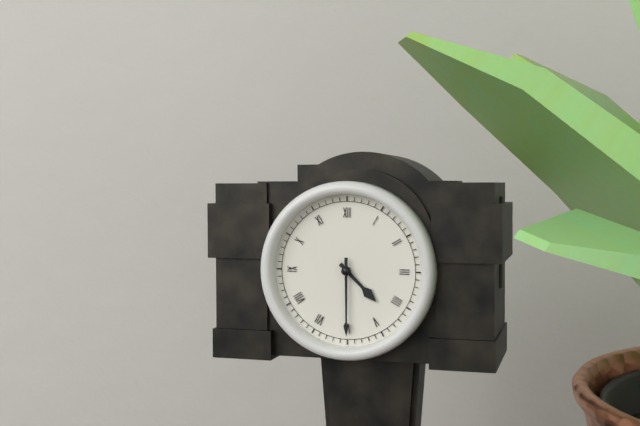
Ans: {"hour": 4, "minute": 30}
